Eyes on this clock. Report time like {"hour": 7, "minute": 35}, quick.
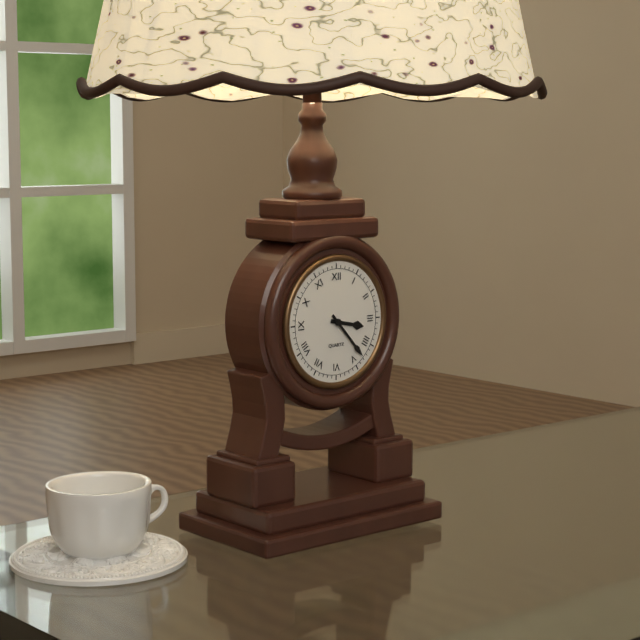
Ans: {"hour": 3, "minute": 23}
